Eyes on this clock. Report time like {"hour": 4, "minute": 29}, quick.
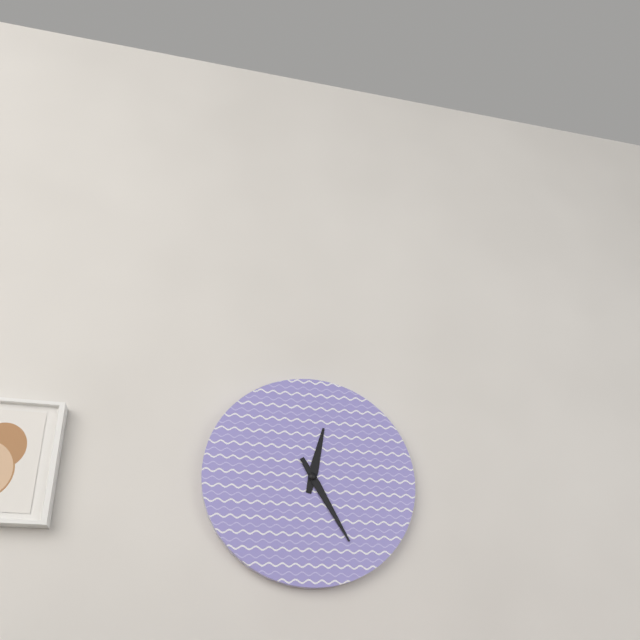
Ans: {"hour": 12, "minute": 25}
